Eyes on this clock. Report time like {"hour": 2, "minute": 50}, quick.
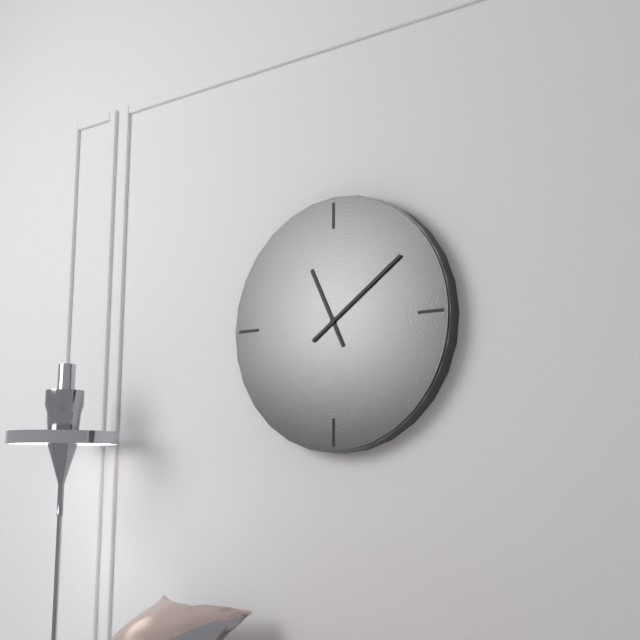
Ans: {"hour": 11, "minute": 9}
